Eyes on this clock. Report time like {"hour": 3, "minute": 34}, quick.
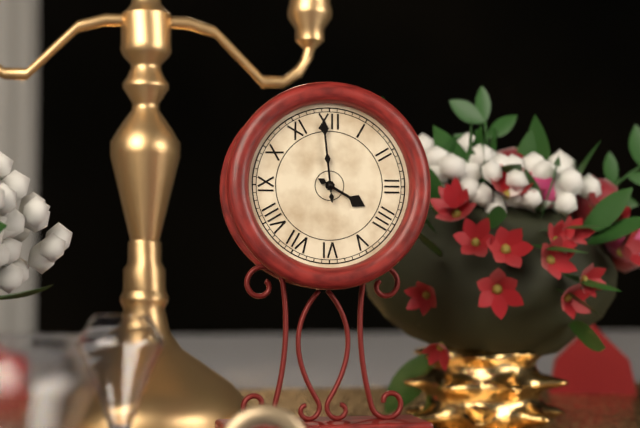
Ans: {"hour": 3, "minute": 59}
